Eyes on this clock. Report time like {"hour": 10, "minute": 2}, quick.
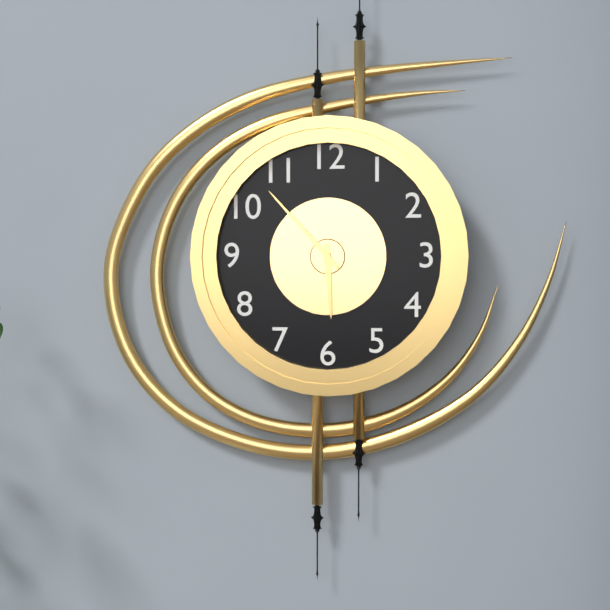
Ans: {"hour": 5, "minute": 53}
